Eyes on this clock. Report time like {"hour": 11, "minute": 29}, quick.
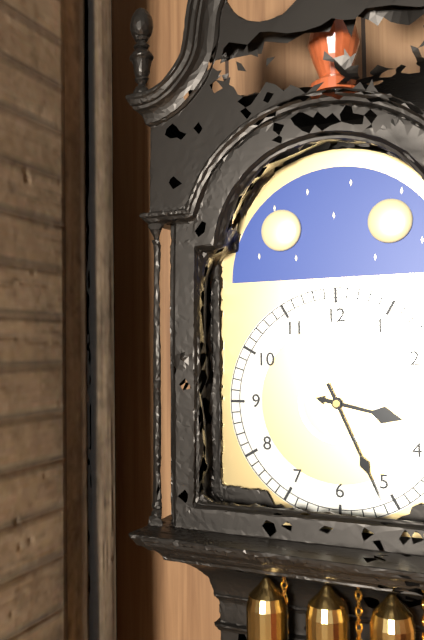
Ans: {"hour": 3, "minute": 26}
